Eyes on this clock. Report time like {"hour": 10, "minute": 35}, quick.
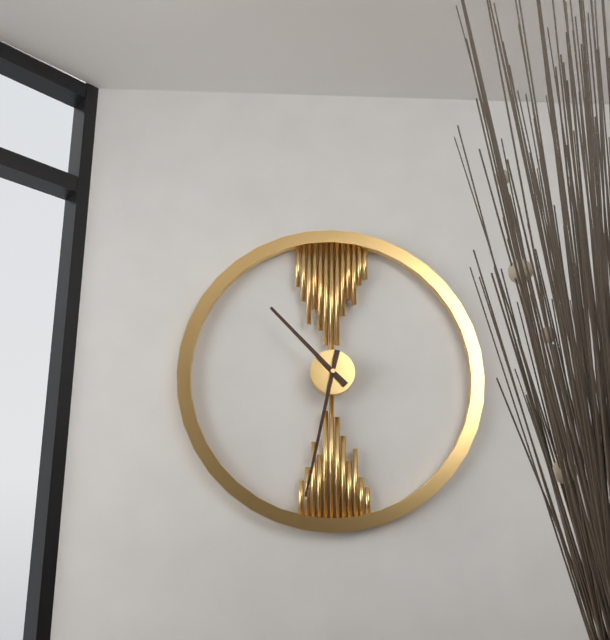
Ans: {"hour": 10, "minute": 32}
